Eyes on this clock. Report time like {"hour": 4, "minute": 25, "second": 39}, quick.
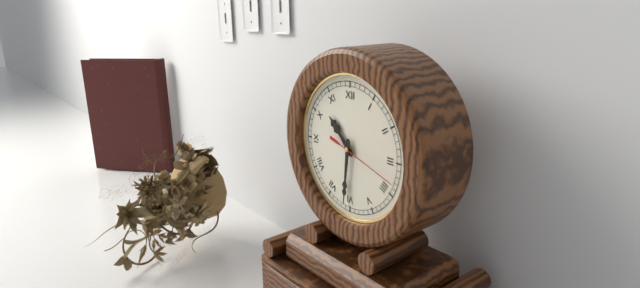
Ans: {"hour": 10, "minute": 31, "second": 18}
